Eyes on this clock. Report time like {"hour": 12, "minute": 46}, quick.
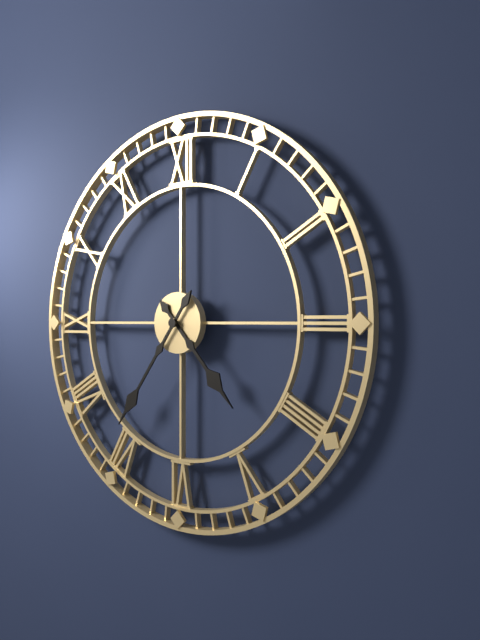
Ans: {"hour": 4, "minute": 36}
